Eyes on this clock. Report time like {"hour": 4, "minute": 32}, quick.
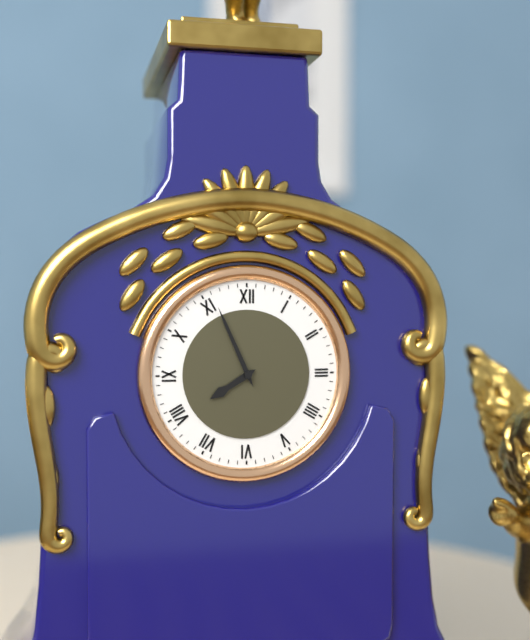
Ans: {"hour": 7, "minute": 56}
